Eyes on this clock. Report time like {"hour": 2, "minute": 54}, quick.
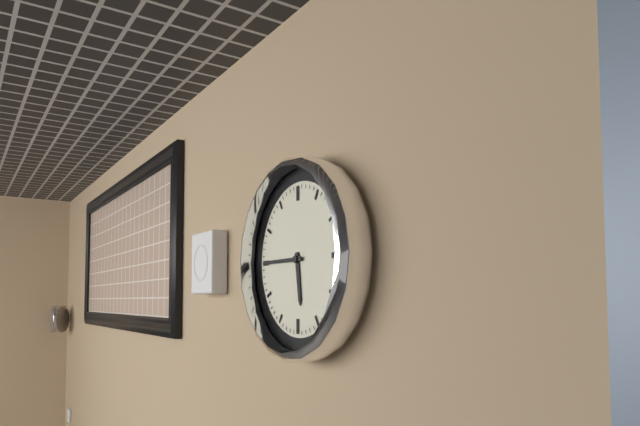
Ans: {"hour": 5, "minute": 45}
